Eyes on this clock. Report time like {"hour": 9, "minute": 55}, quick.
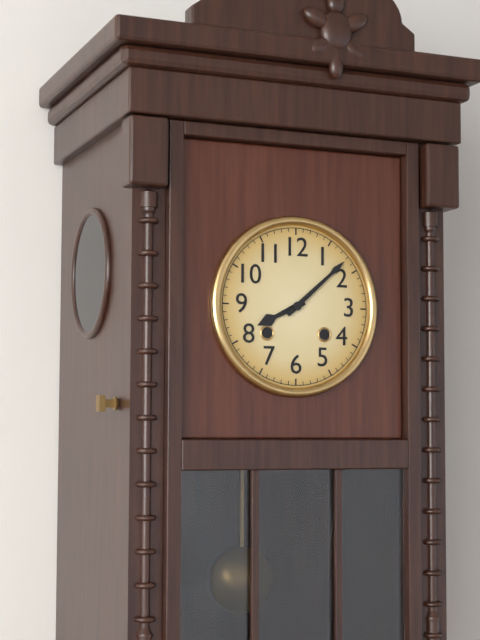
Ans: {"hour": 8, "minute": 8}
